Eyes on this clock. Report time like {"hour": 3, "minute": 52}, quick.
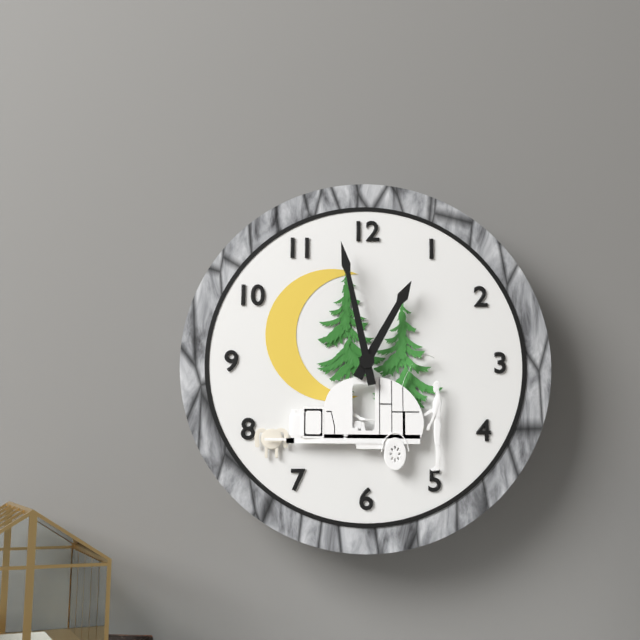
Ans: {"hour": 12, "minute": 58}
